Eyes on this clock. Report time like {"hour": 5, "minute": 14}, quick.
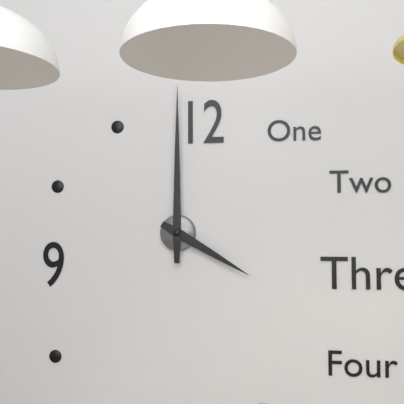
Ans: {"hour": 4, "minute": 0}
